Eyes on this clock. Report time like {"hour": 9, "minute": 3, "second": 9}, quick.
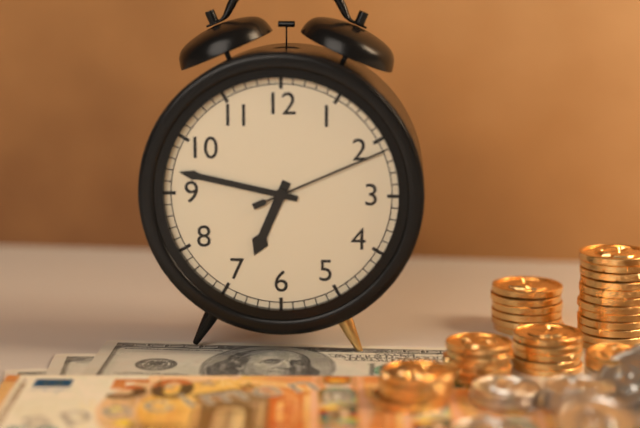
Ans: {"hour": 6, "minute": 47, "second": 11}
